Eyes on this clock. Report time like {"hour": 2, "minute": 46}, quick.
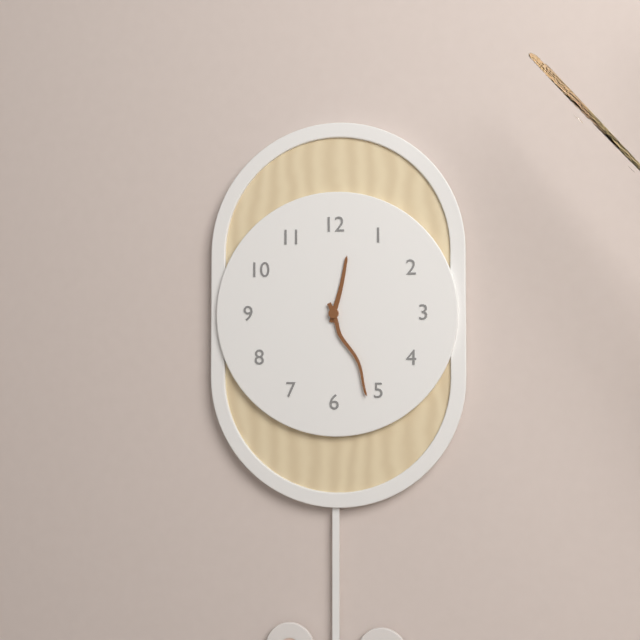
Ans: {"hour": 12, "minute": 26}
